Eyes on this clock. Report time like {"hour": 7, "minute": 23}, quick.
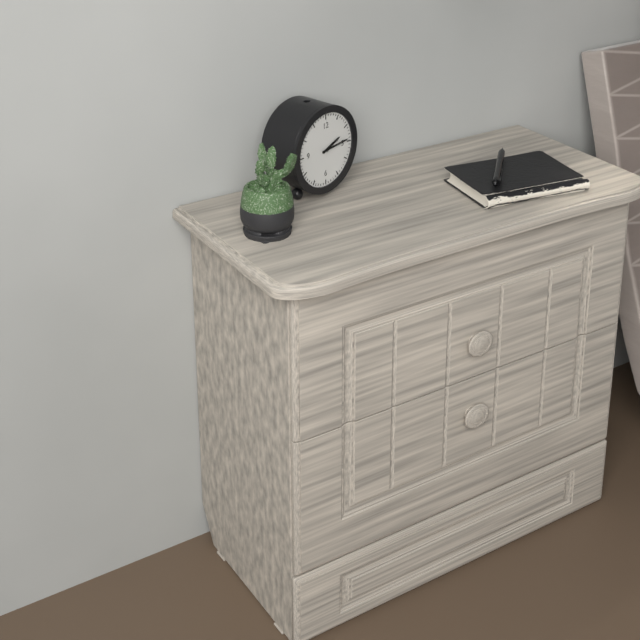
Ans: {"hour": 2, "minute": 14}
